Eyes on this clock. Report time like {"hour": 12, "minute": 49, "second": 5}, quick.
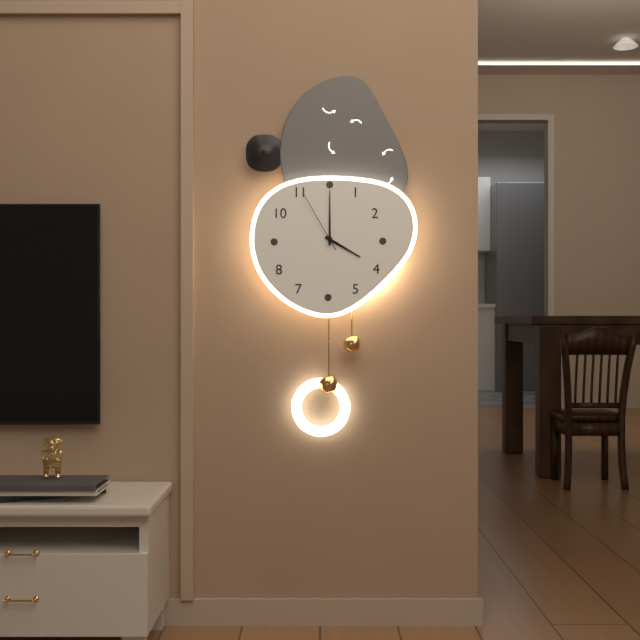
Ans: {"hour": 4, "minute": 0, "second": 55}
